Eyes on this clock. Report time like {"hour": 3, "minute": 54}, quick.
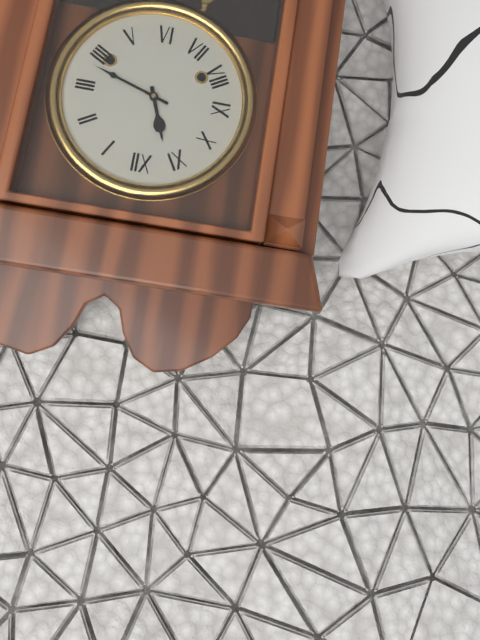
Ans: {"hour": 11, "minute": 18}
